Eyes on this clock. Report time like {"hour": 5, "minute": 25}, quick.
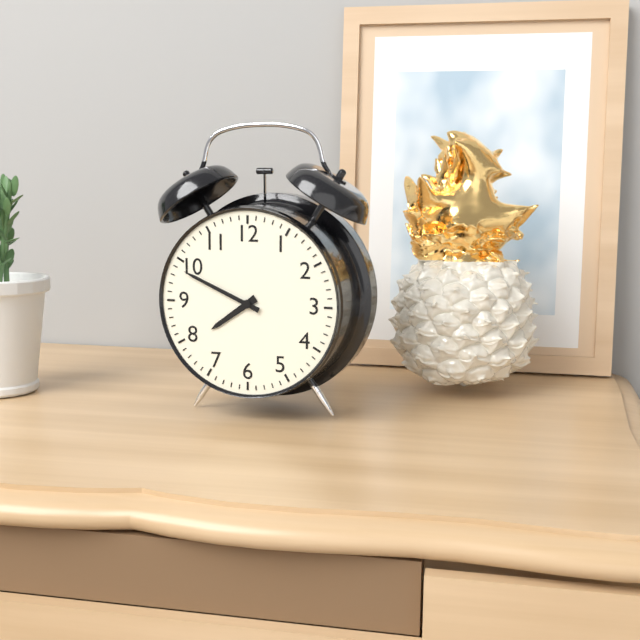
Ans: {"hour": 7, "minute": 49}
